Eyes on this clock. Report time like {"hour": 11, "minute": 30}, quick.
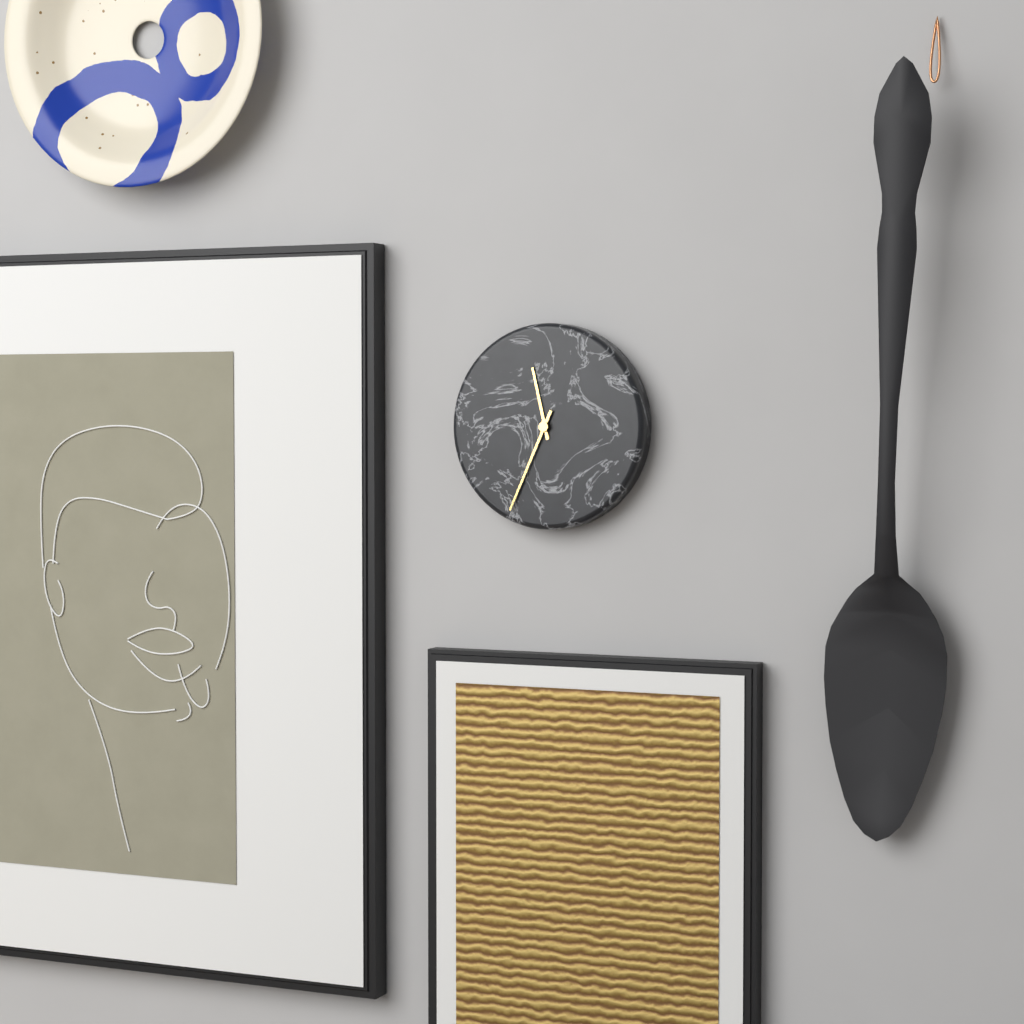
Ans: {"hour": 11, "minute": 34}
